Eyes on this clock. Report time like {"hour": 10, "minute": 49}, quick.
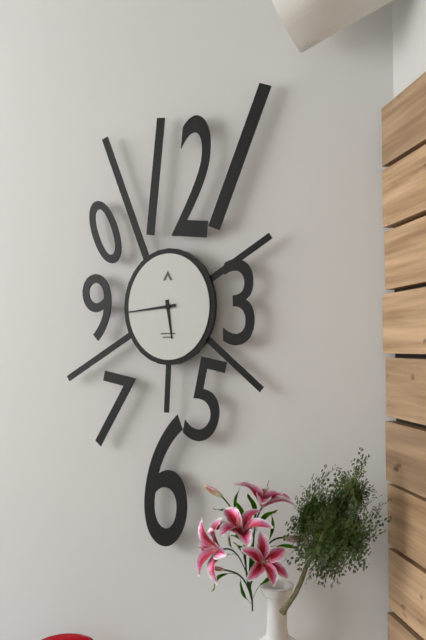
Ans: {"hour": 5, "minute": 44}
